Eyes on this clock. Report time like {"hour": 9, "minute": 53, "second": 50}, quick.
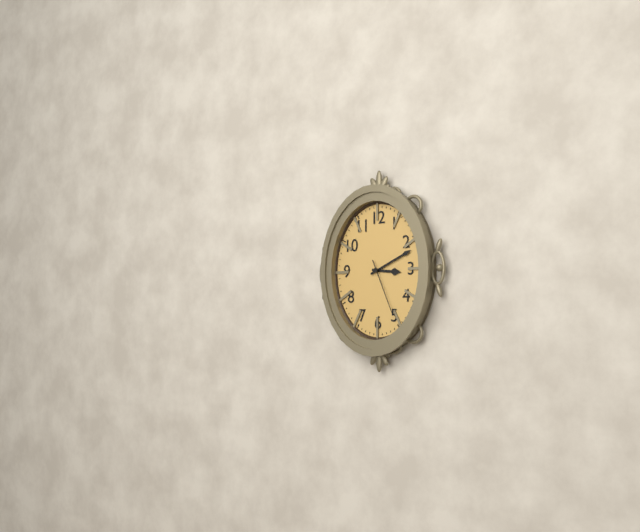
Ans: {"hour": 3, "minute": 11, "second": 26}
